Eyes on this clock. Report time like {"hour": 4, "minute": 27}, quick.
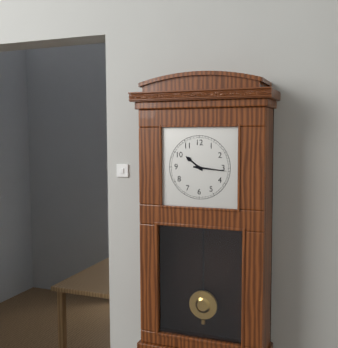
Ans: {"hour": 10, "minute": 16}
